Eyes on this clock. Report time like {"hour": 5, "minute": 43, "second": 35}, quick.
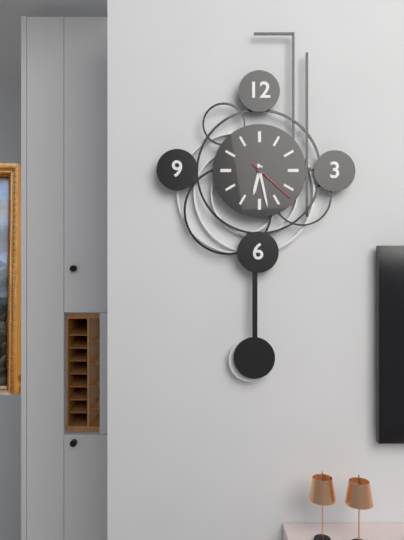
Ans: {"hour": 6, "minute": 28, "second": 22}
